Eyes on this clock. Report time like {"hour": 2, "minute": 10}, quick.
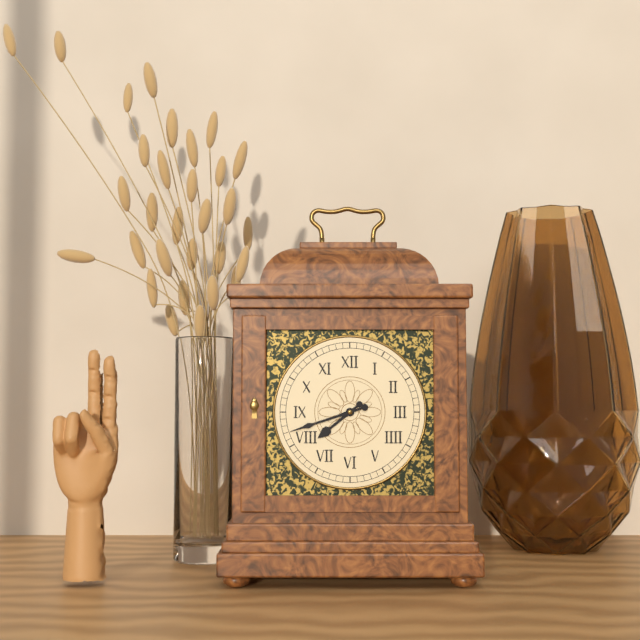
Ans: {"hour": 7, "minute": 42}
